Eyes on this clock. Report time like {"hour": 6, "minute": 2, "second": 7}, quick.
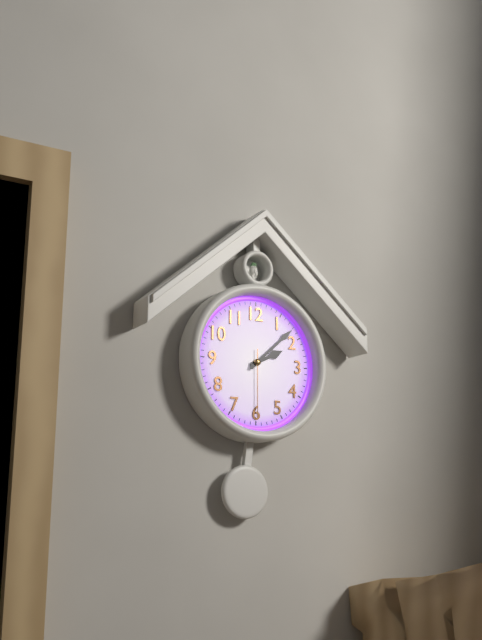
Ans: {"hour": 2, "minute": 8, "second": 30}
